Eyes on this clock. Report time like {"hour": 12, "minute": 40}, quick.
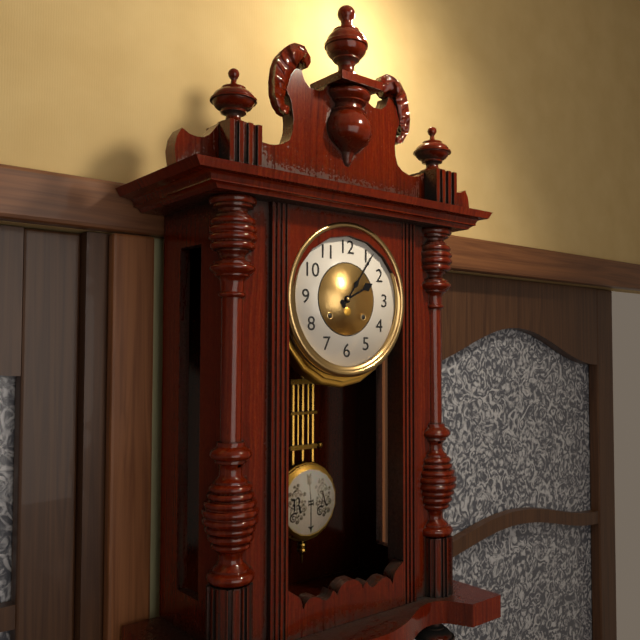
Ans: {"hour": 2, "minute": 6}
